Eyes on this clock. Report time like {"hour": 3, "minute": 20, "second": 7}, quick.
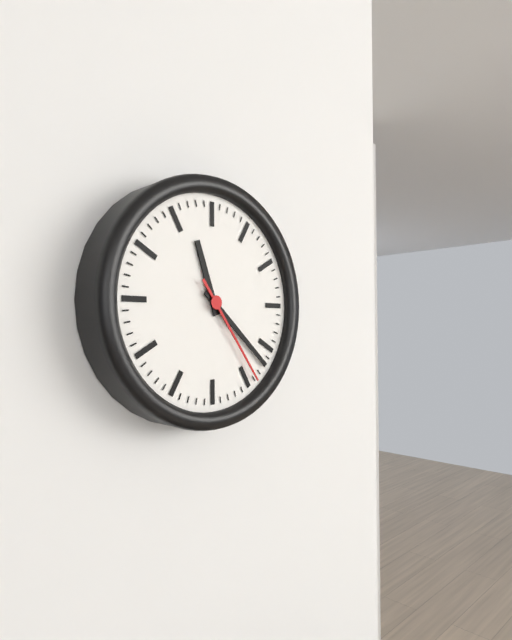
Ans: {"hour": 11, "minute": 22, "second": 24}
